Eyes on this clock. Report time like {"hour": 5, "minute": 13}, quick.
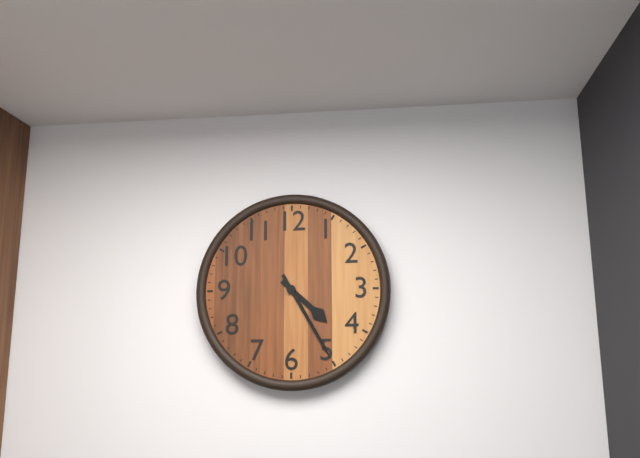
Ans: {"hour": 4, "minute": 25}
